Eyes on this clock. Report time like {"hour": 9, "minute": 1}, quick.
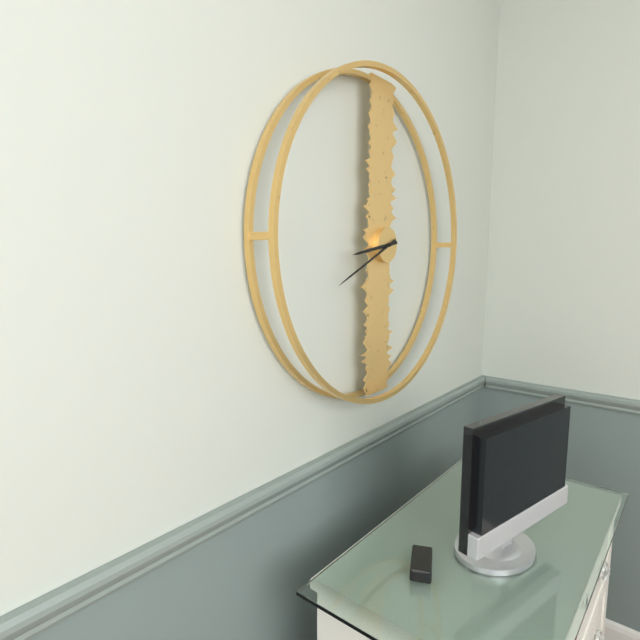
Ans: {"hour": 8, "minute": 41}
